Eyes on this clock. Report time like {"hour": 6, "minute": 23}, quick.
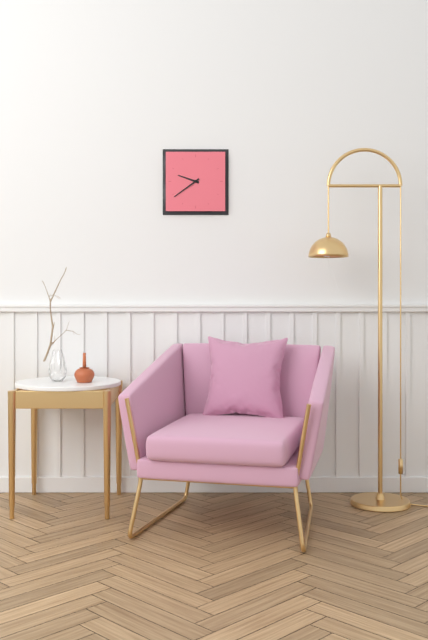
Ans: {"hour": 9, "minute": 39}
